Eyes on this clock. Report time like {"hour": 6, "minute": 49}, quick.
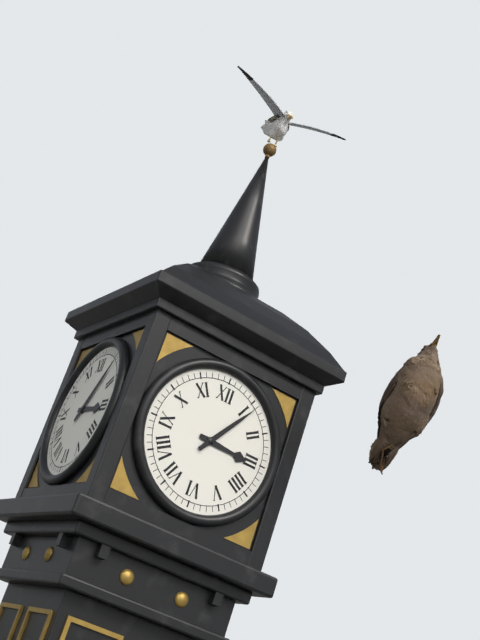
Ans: {"hour": 3, "minute": 6}
